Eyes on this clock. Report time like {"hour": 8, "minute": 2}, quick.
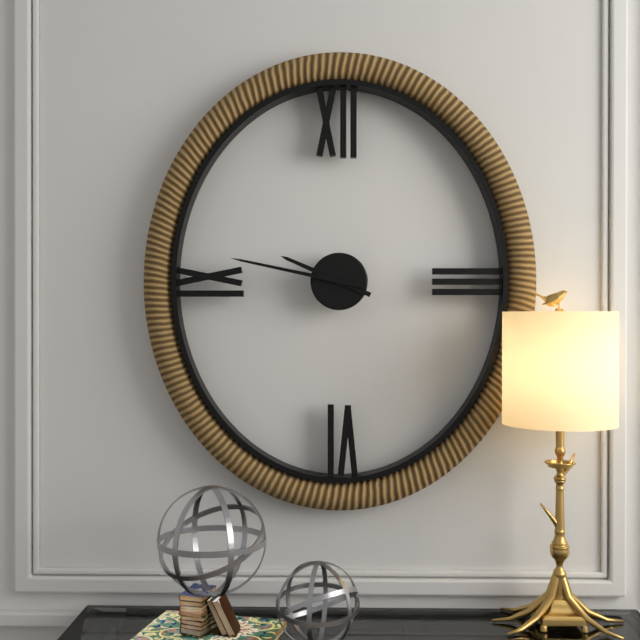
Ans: {"hour": 9, "minute": 47}
